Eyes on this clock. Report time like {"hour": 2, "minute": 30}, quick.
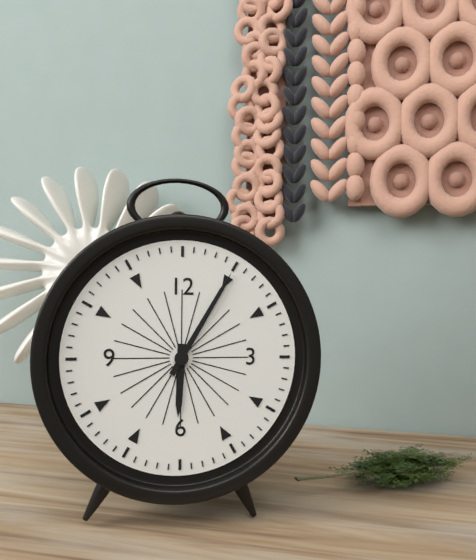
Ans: {"hour": 6, "minute": 5}
